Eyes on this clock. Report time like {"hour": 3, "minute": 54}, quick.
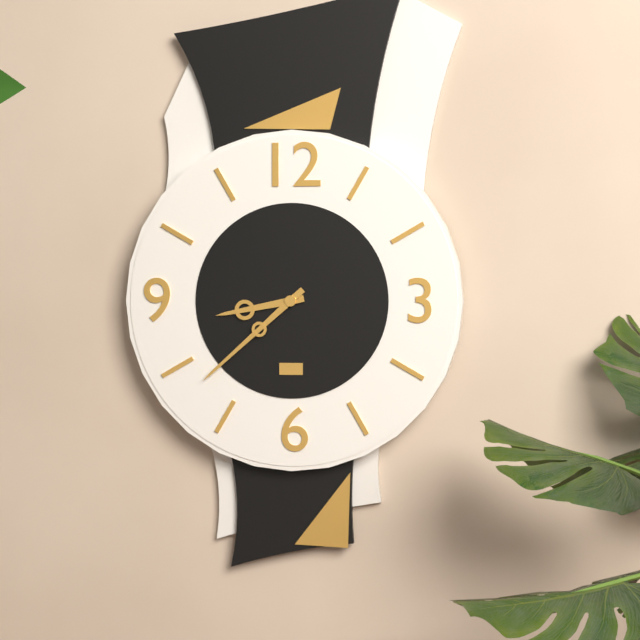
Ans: {"hour": 8, "minute": 38}
